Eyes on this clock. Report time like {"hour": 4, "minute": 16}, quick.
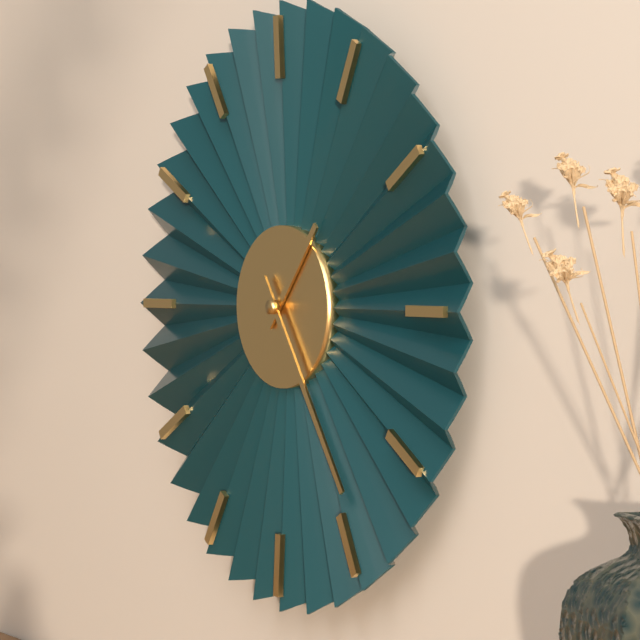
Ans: {"hour": 1, "minute": 24}
